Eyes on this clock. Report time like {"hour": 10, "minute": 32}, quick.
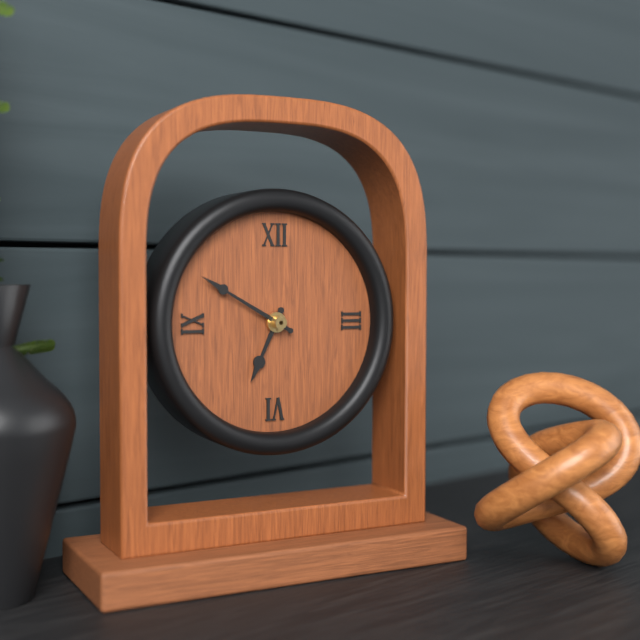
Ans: {"hour": 6, "minute": 50}
